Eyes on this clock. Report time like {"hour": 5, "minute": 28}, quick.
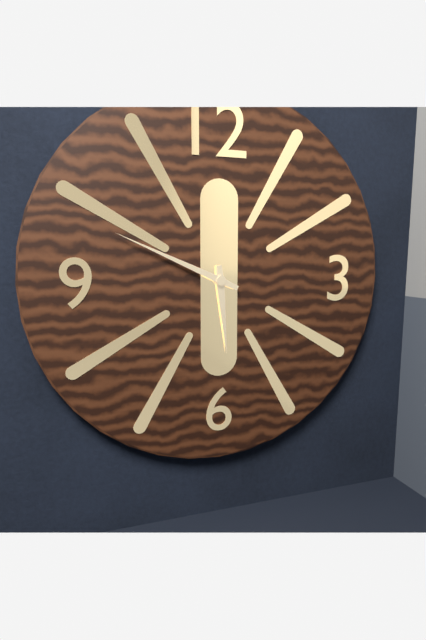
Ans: {"hour": 5, "minute": 49}
